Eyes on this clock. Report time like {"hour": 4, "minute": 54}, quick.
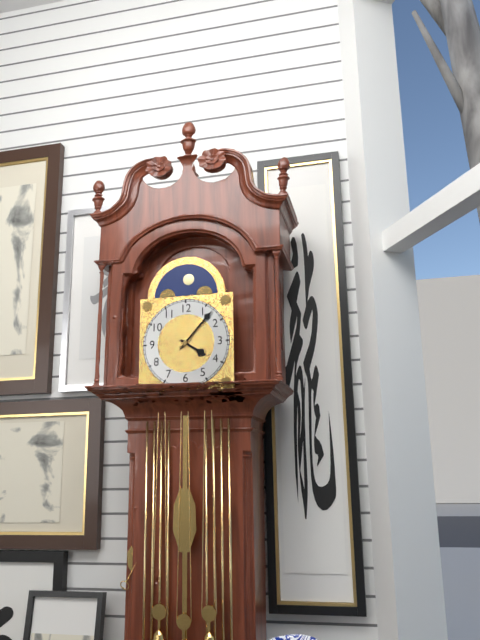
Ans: {"hour": 4, "minute": 7}
